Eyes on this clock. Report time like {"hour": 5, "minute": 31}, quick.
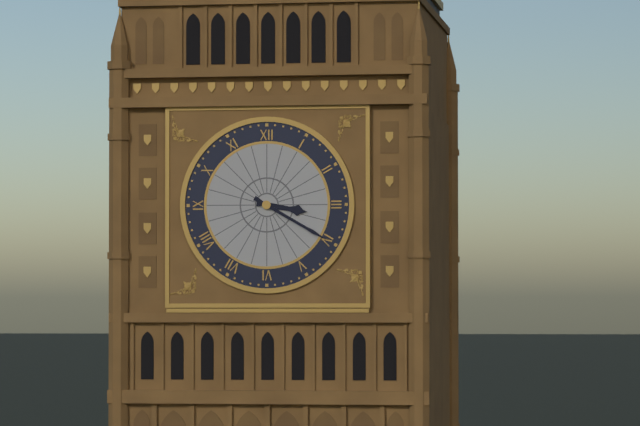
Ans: {"hour": 3, "minute": 20}
